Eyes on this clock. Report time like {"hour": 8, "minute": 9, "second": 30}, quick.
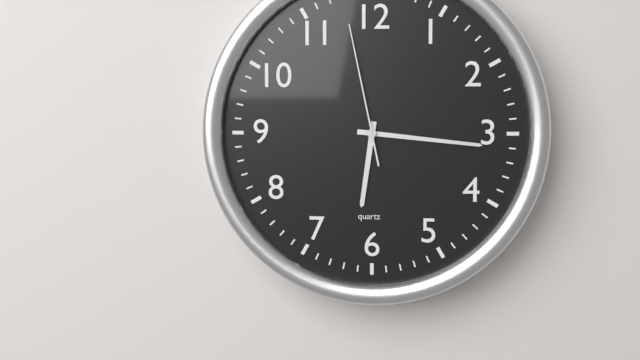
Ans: {"hour": 6, "minute": 16, "second": 58}
